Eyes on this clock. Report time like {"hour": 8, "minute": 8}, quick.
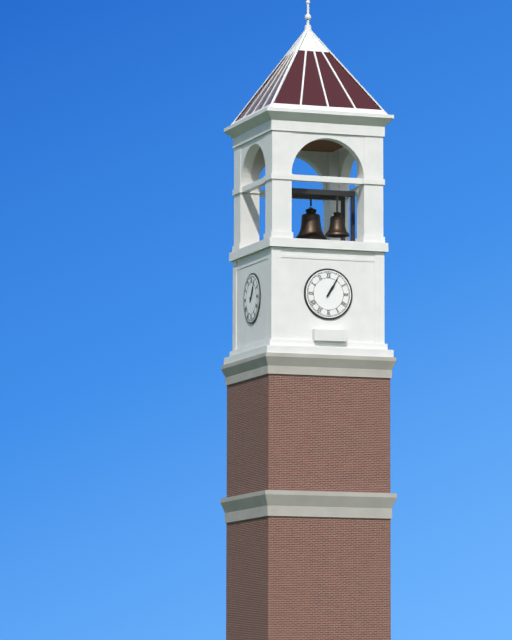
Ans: {"hour": 1, "minute": 5}
